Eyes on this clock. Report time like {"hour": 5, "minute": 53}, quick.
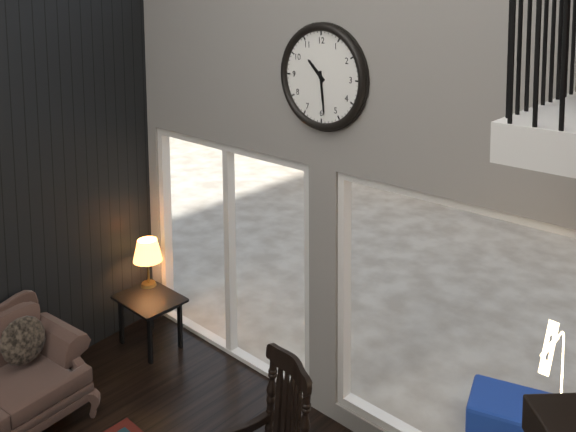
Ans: {"hour": 10, "minute": 29}
